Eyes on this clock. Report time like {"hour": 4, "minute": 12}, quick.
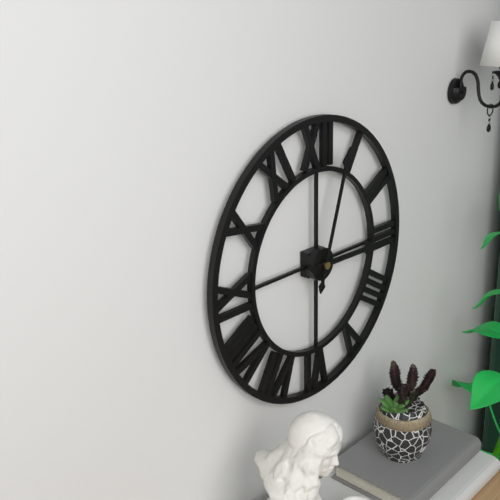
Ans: {"hour": 3, "minute": 3}
